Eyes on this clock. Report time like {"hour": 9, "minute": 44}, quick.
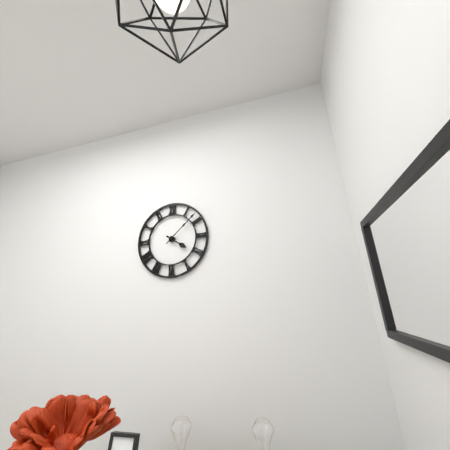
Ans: {"hour": 4, "minute": 8}
